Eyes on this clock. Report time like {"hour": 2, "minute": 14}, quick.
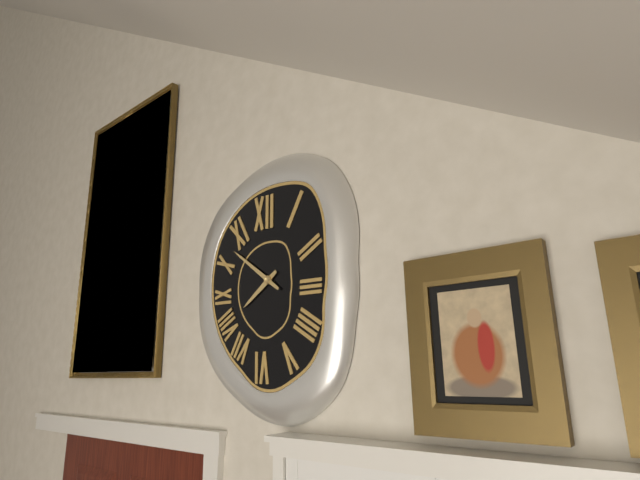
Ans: {"hour": 7, "minute": 51}
